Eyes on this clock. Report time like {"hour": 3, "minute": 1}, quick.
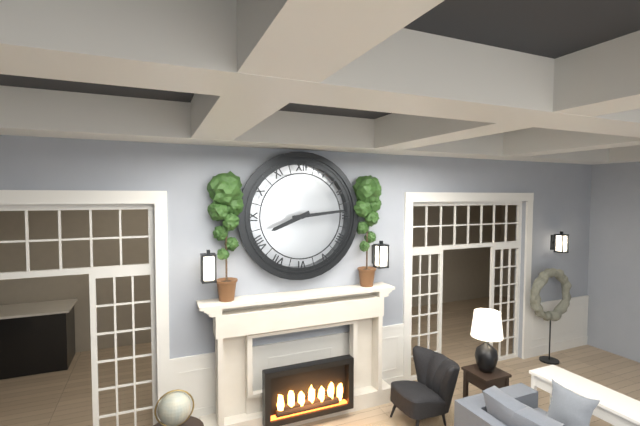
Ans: {"hour": 8, "minute": 14}
